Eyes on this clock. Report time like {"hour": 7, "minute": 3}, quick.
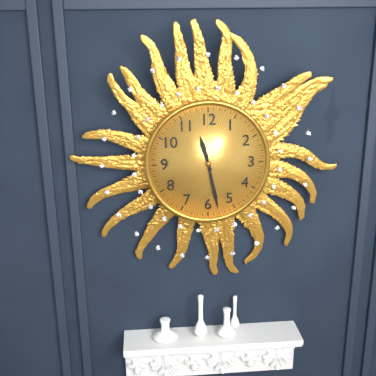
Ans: {"hour": 11, "minute": 28}
